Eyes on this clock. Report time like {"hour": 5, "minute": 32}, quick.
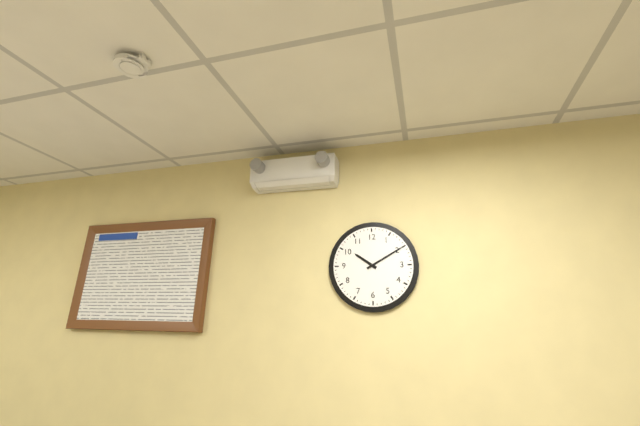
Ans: {"hour": 10, "minute": 10}
